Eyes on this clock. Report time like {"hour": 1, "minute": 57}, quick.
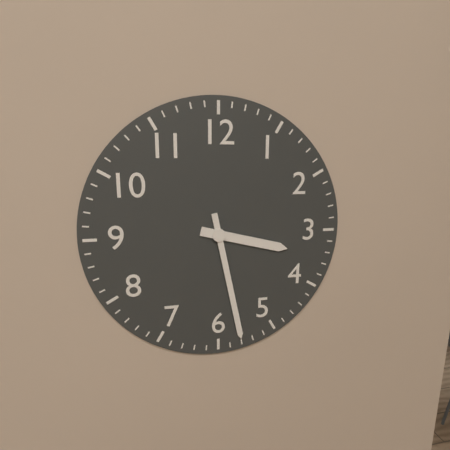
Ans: {"hour": 3, "minute": 28}
